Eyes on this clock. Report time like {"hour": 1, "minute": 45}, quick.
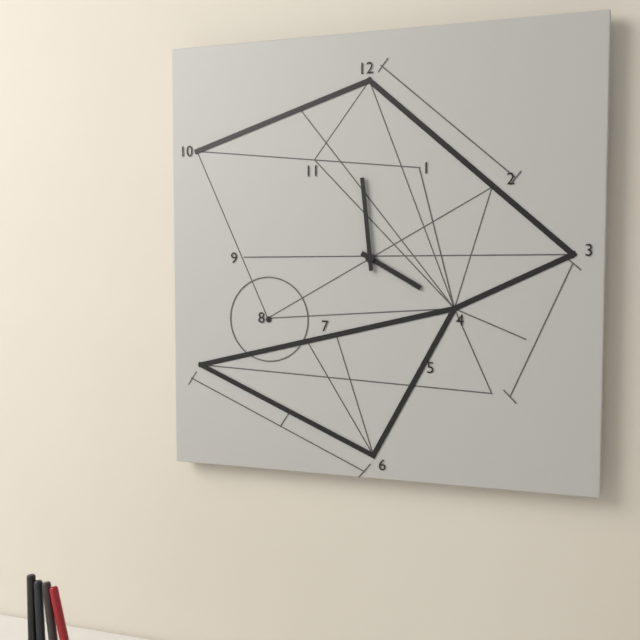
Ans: {"hour": 3, "minute": 59}
